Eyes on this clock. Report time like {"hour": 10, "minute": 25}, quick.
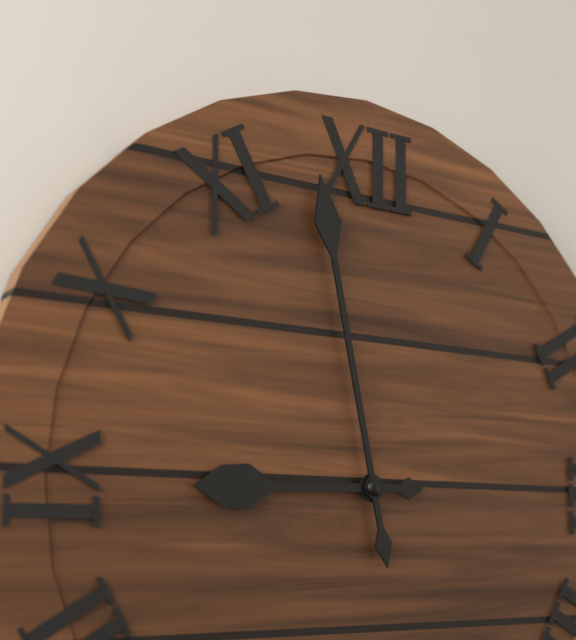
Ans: {"hour": 8, "minute": 58}
